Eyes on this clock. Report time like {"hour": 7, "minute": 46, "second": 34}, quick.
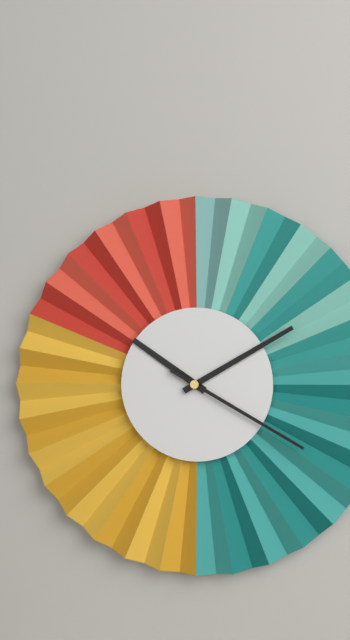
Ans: {"hour": 10, "minute": 10, "second": 20}
